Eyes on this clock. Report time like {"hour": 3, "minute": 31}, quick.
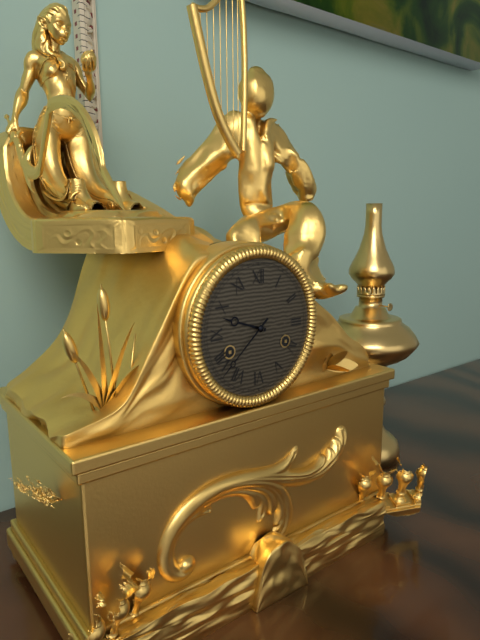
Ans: {"hour": 9, "minute": 38}
